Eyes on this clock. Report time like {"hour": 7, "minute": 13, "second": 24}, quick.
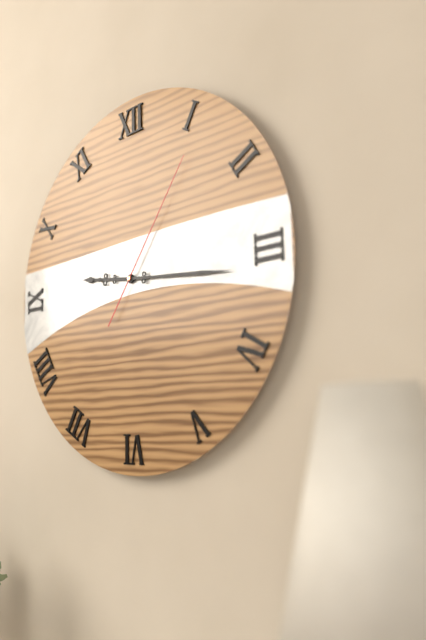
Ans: {"hour": 9, "minute": 16, "second": 6}
